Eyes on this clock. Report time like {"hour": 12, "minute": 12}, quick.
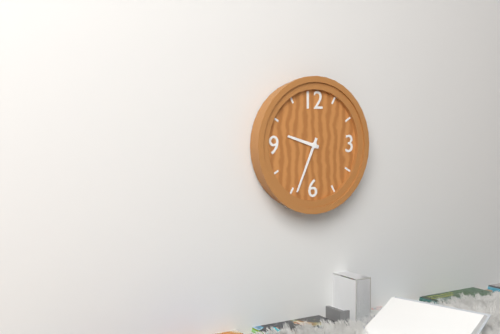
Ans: {"hour": 9, "minute": 34}
